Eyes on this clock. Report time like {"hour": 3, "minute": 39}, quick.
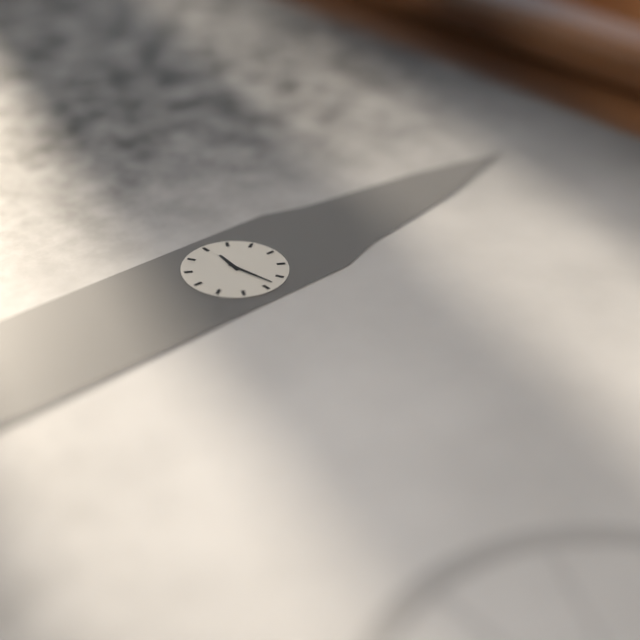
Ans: {"hour": 9, "minute": 13}
